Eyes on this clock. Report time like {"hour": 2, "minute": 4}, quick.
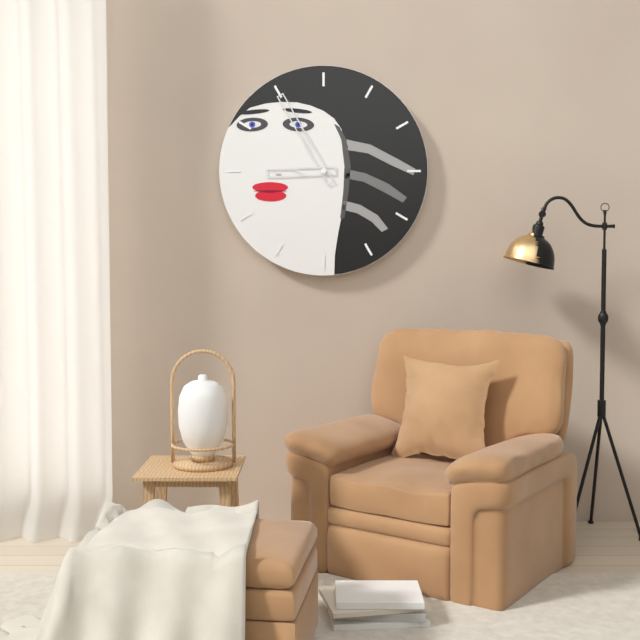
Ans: {"hour": 8, "minute": 55}
